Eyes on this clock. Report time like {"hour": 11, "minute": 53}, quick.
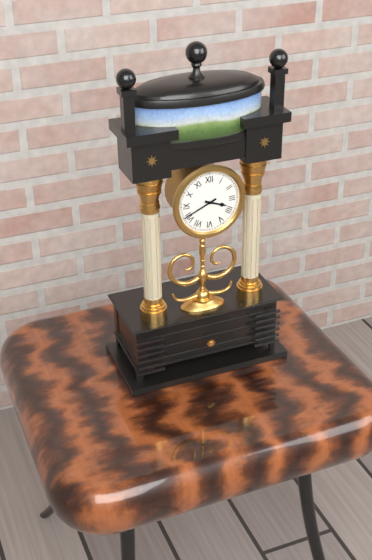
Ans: {"hour": 3, "minute": 41}
